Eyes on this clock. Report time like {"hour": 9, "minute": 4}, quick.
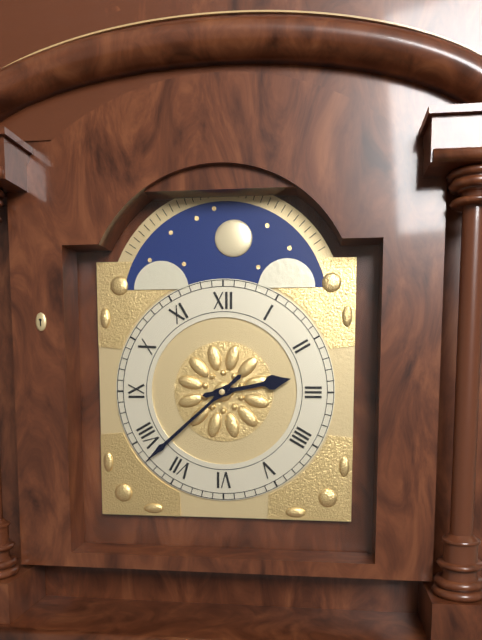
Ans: {"hour": 2, "minute": 38}
